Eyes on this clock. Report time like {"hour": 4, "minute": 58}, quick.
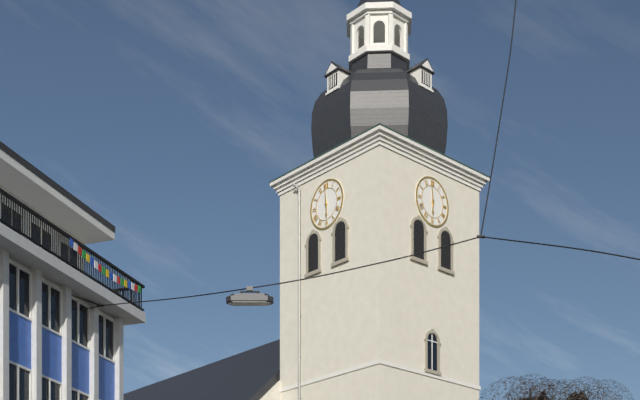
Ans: {"hour": 5, "minute": 59}
